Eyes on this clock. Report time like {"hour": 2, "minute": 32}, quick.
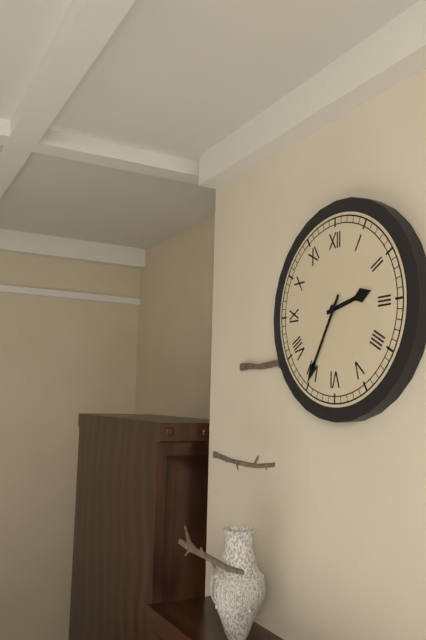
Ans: {"hour": 2, "minute": 35}
